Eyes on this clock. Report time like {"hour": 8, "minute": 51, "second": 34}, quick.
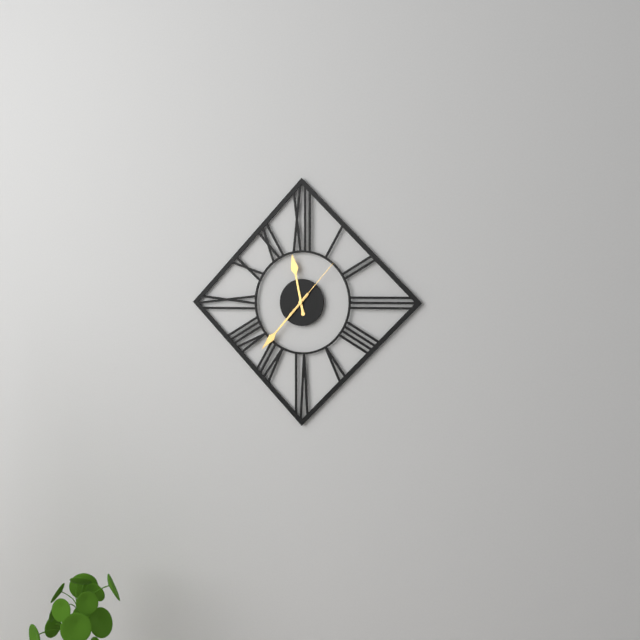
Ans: {"hour": 11, "minute": 37, "second": 7}
